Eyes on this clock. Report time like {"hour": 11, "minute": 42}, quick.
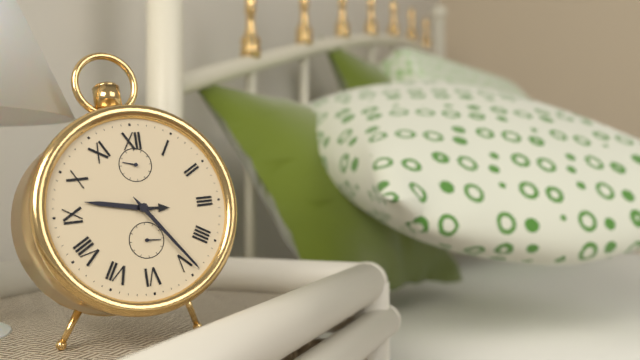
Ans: {"hour": 9, "minute": 24}
